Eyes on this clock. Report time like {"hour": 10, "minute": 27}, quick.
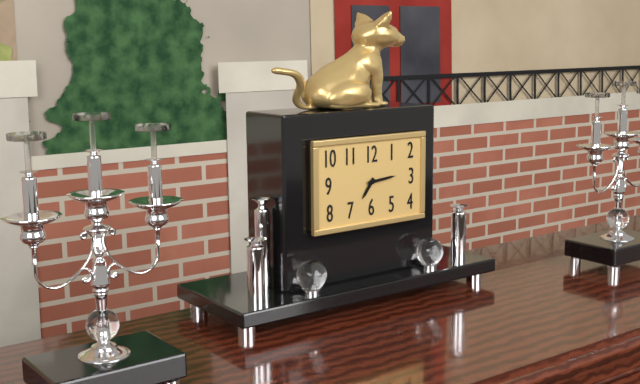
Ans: {"hour": 7, "minute": 14}
